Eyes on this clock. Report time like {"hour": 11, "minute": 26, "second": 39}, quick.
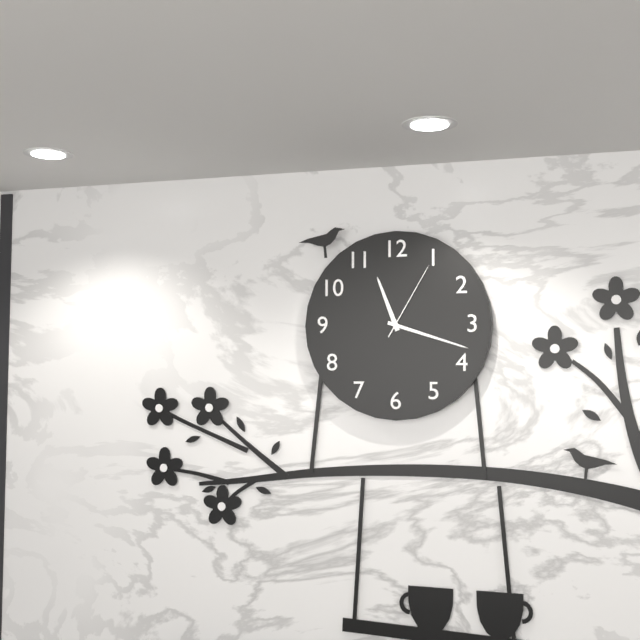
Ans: {"hour": 11, "minute": 18, "second": 5}
